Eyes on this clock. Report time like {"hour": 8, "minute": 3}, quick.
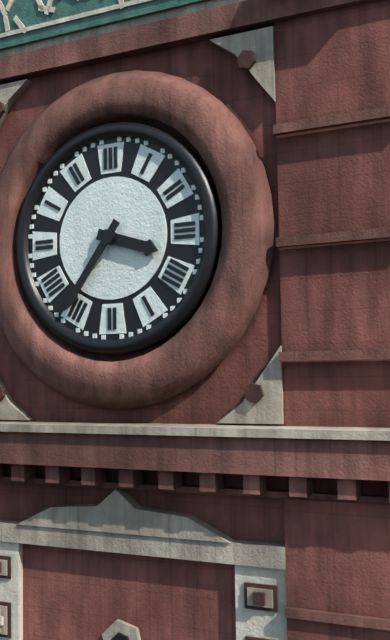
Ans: {"hour": 3, "minute": 36}
